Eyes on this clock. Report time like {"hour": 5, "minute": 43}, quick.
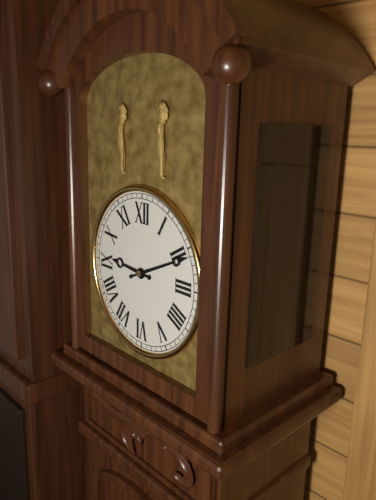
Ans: {"hour": 9, "minute": 11}
